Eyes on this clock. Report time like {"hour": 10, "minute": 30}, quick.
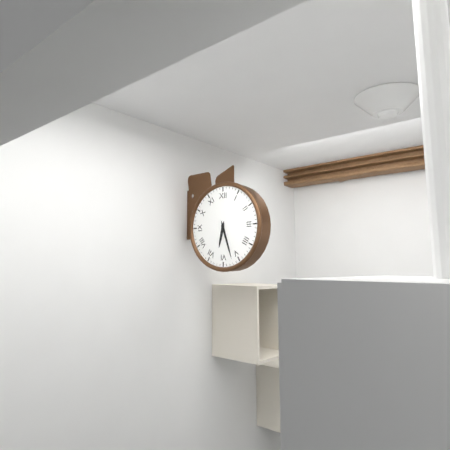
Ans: {"hour": 6, "minute": 27}
